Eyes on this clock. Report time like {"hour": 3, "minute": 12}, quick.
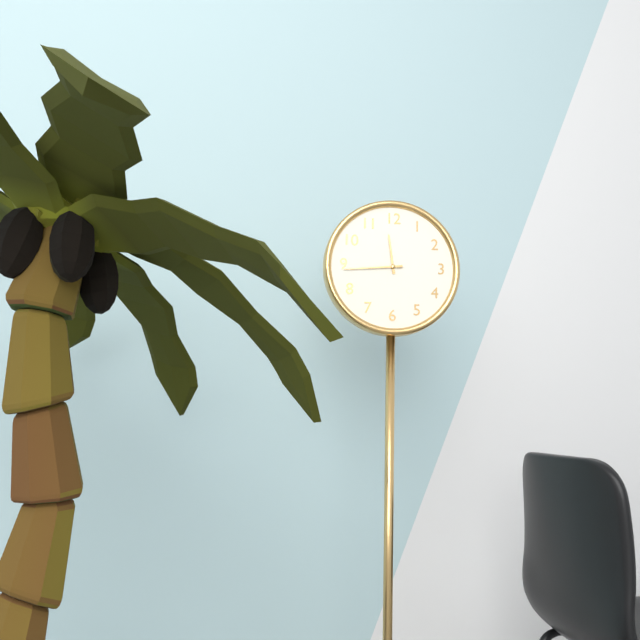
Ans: {"hour": 11, "minute": 44}
